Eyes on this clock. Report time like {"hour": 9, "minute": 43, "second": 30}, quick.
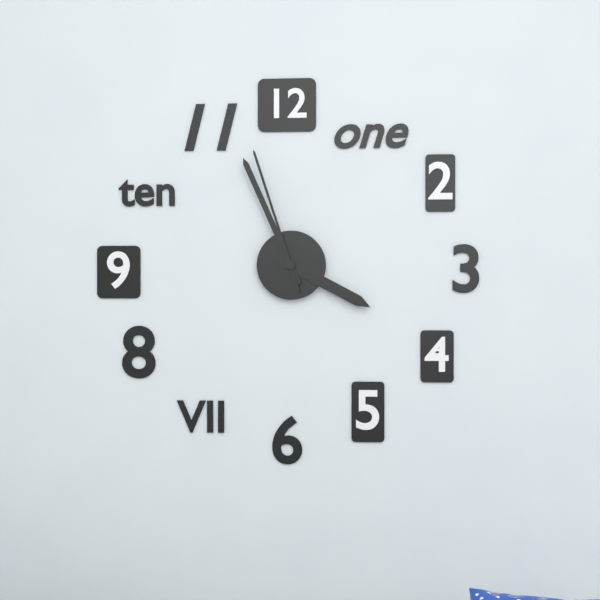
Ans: {"hour": 3, "minute": 56, "second": 57}
